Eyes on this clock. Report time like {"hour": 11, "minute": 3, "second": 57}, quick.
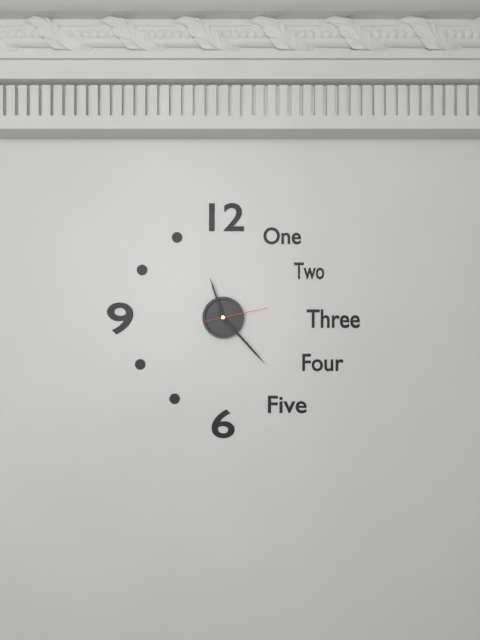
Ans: {"hour": 11, "minute": 23, "second": 13}
